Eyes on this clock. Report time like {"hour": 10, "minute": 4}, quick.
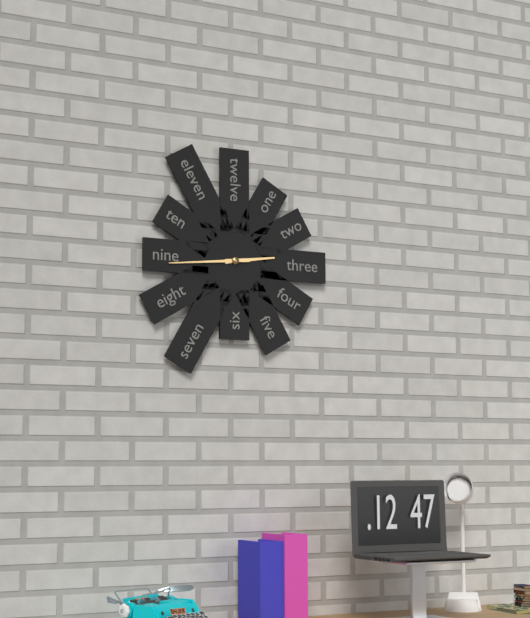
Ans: {"hour": 2, "minute": 44}
